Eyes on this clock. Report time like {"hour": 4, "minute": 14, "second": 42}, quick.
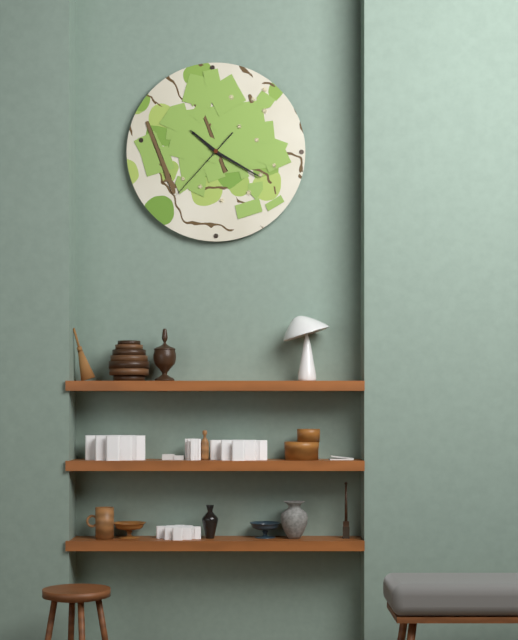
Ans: {"hour": 10, "minute": 20, "second": 37}
